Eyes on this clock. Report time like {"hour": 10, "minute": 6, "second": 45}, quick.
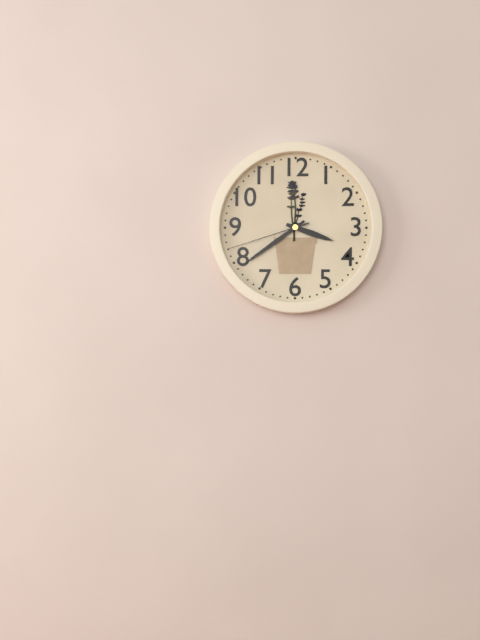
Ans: {"hour": 3, "minute": 39, "second": 42}
